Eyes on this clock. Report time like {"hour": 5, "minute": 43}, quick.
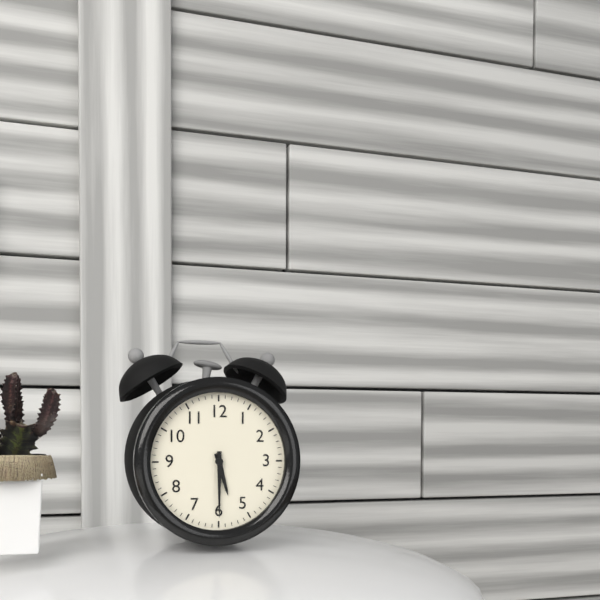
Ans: {"hour": 5, "minute": 30}
